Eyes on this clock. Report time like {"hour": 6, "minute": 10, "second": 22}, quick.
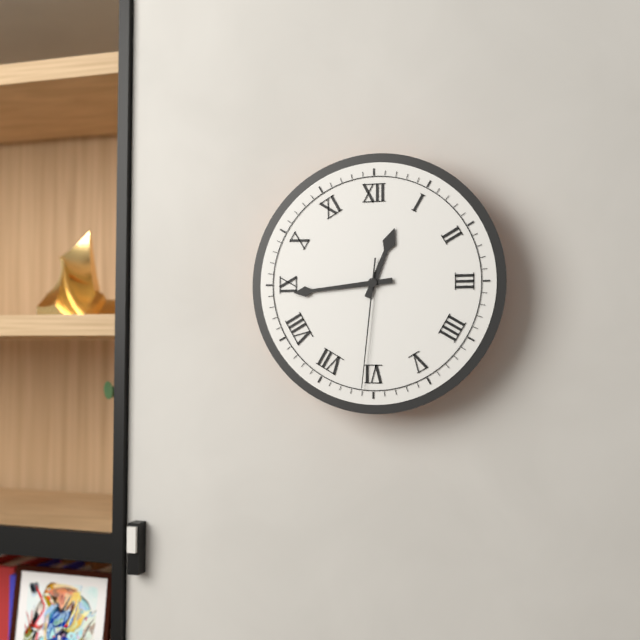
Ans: {"hour": 12, "minute": 44, "second": 31}
